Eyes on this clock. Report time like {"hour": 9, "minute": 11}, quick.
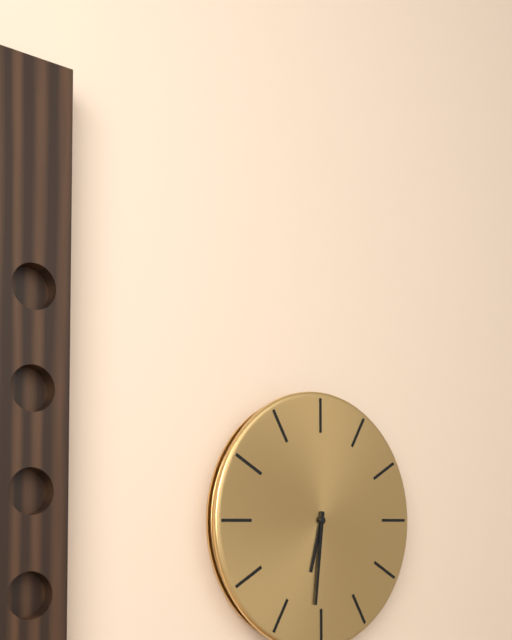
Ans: {"hour": 6, "minute": 31}
